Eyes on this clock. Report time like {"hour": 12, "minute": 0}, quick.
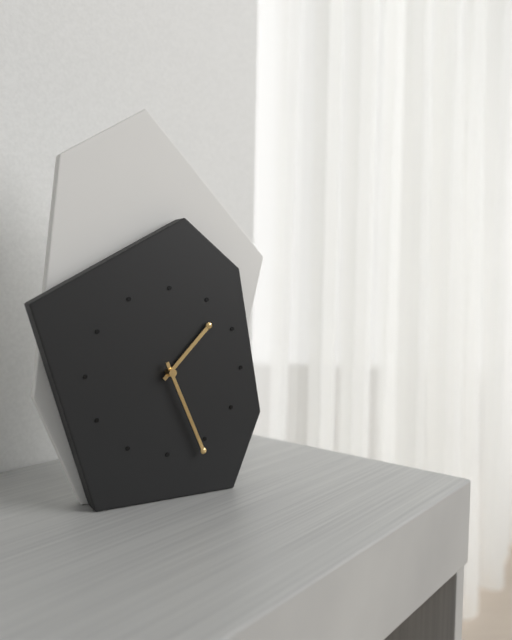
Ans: {"hour": 1, "minute": 26}
